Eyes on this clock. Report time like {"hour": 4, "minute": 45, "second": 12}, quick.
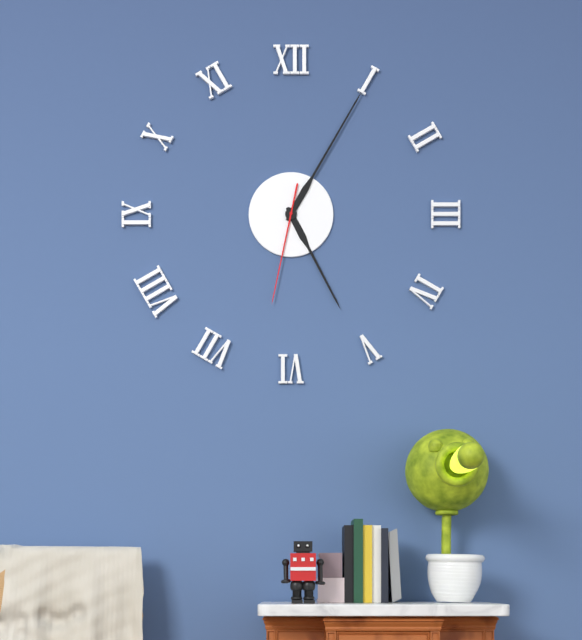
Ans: {"hour": 5, "minute": 5, "second": 32}
